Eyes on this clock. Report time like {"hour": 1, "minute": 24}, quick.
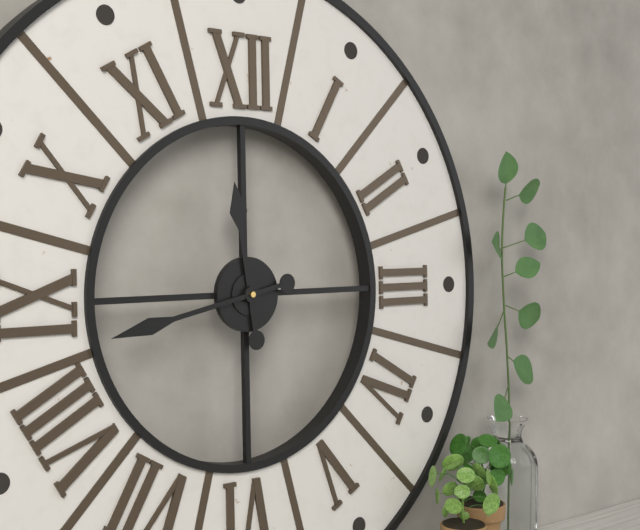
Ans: {"hour": 11, "minute": 43}
